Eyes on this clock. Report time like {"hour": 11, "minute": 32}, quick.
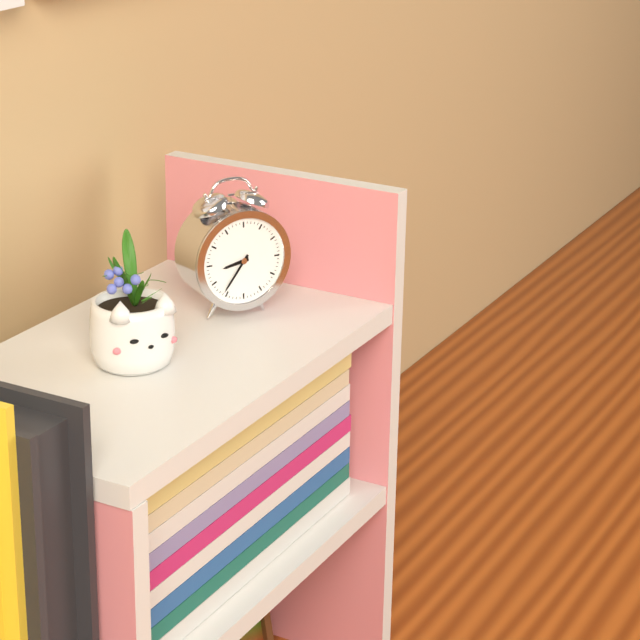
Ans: {"hour": 8, "minute": 36}
